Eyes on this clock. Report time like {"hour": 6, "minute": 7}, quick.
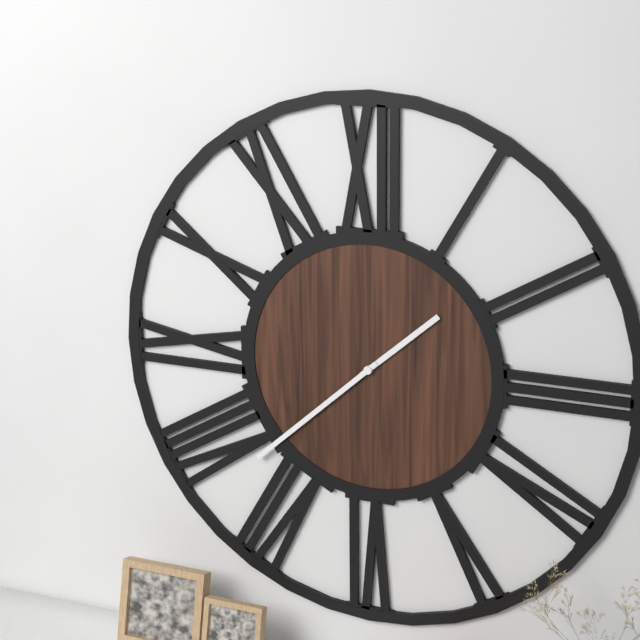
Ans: {"hour": 1, "minute": 38}
